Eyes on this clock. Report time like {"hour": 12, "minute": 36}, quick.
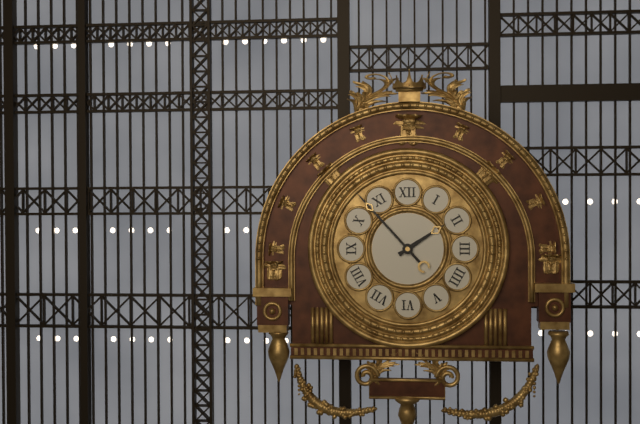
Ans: {"hour": 1, "minute": 53}
